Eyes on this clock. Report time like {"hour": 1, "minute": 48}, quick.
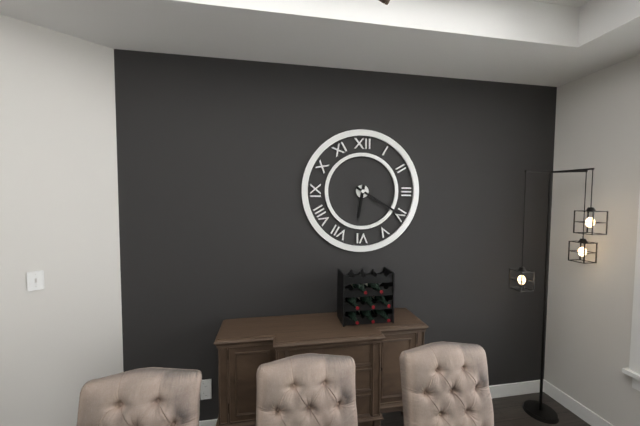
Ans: {"hour": 6, "minute": 20}
